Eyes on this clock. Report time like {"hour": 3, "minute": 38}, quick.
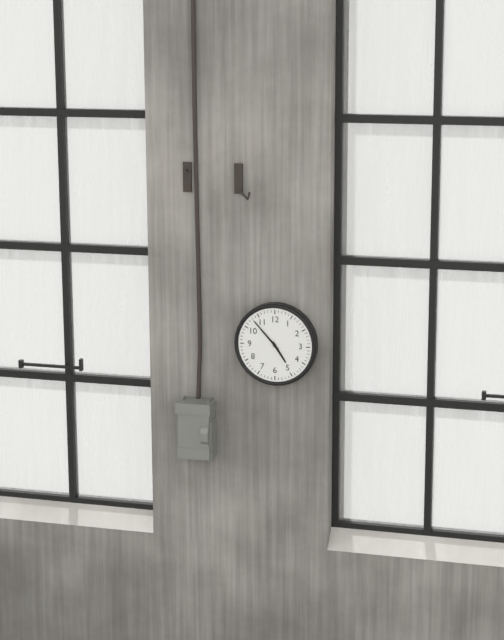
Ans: {"hour": 4, "minute": 53}
